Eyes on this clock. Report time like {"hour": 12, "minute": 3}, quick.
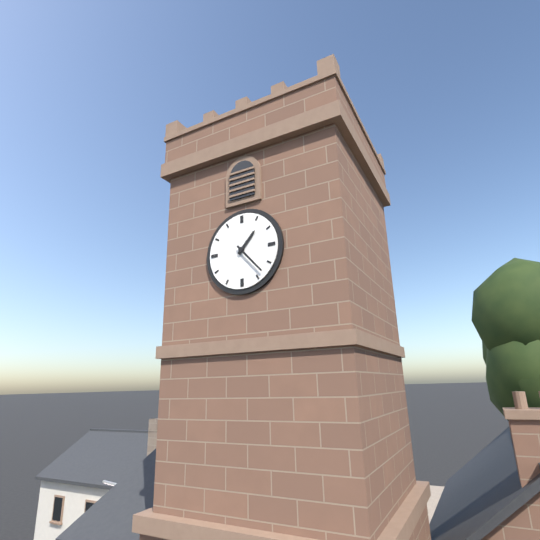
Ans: {"hour": 1, "minute": 23}
